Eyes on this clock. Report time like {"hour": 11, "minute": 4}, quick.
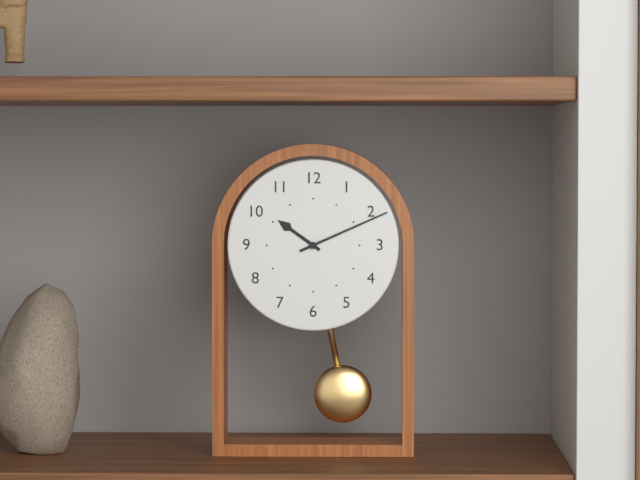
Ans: {"hour": 10, "minute": 11}
